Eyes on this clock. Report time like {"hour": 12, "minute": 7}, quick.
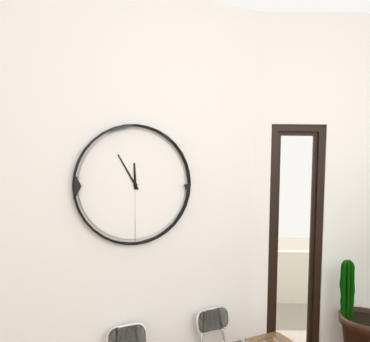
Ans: {"hour": 11, "minute": 55}
